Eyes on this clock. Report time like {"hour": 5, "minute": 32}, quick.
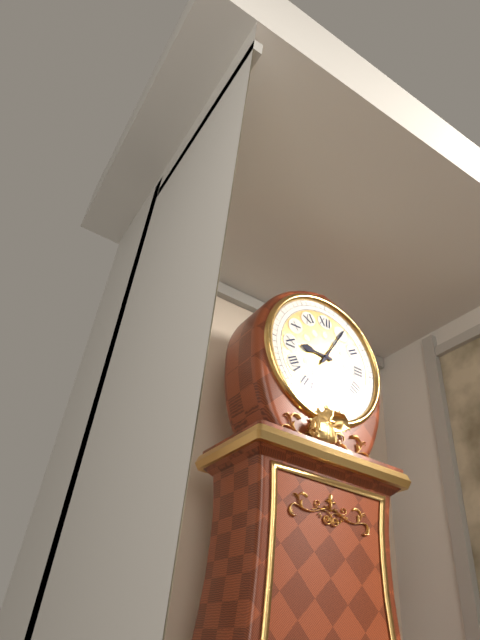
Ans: {"hour": 9, "minute": 5}
